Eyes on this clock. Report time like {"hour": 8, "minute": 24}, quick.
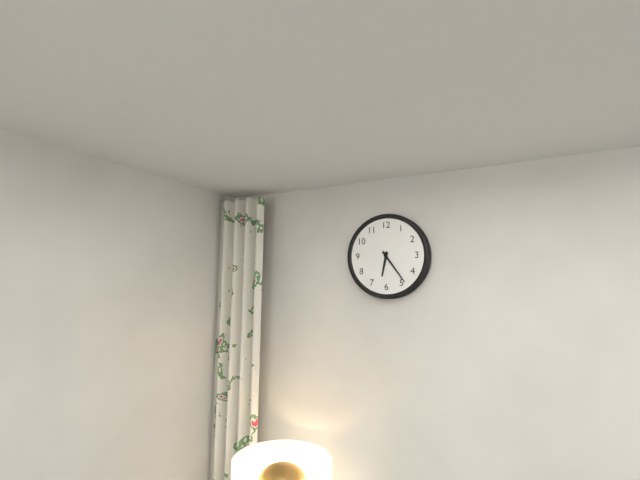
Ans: {"hour": 6, "minute": 24}
